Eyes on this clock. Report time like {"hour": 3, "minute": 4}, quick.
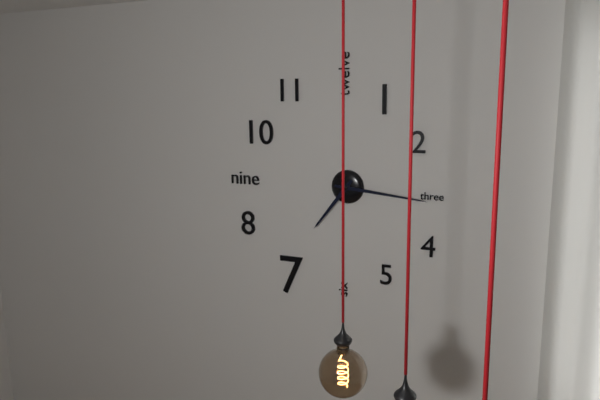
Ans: {"hour": 7, "minute": 16}
